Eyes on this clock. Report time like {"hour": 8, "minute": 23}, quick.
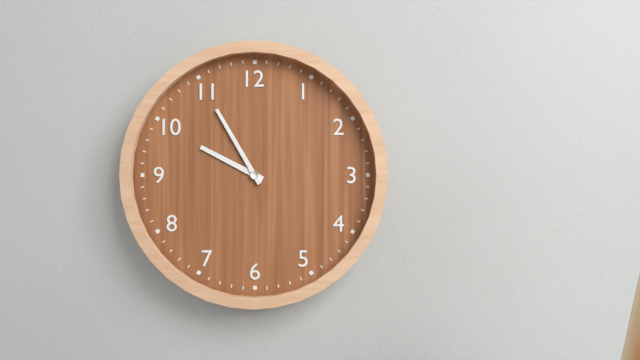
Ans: {"hour": 9, "minute": 55}
